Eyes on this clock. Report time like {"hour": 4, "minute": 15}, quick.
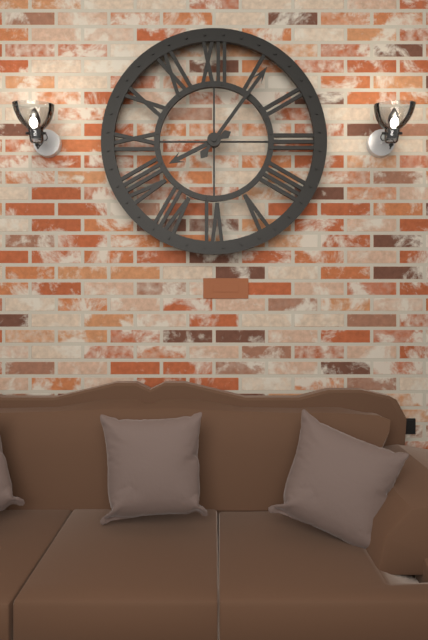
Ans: {"hour": 8, "minute": 6}
